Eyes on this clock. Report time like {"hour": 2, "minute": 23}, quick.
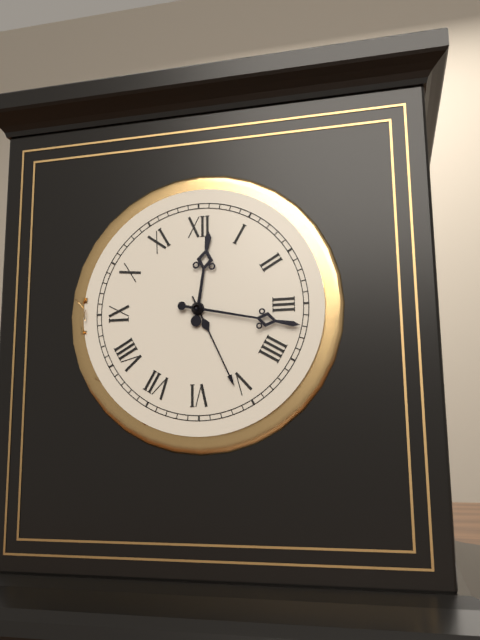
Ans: {"hour": 12, "minute": 17}
